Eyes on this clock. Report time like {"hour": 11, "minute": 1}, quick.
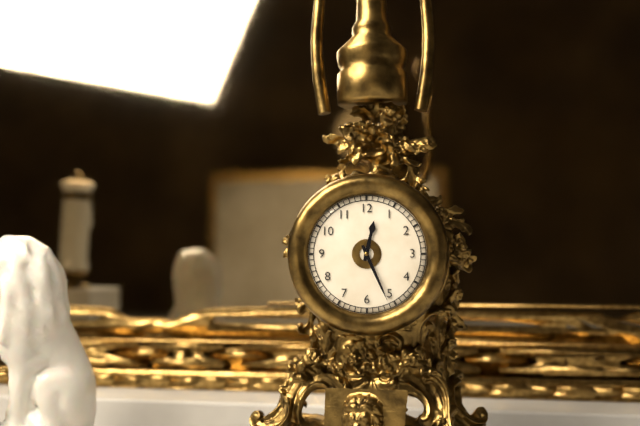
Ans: {"hour": 12, "minute": 26}
